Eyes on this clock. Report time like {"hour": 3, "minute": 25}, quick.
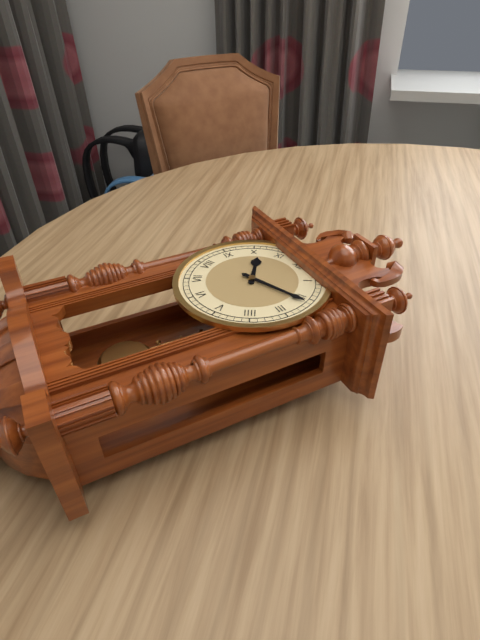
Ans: {"hour": 10, "minute": 11}
